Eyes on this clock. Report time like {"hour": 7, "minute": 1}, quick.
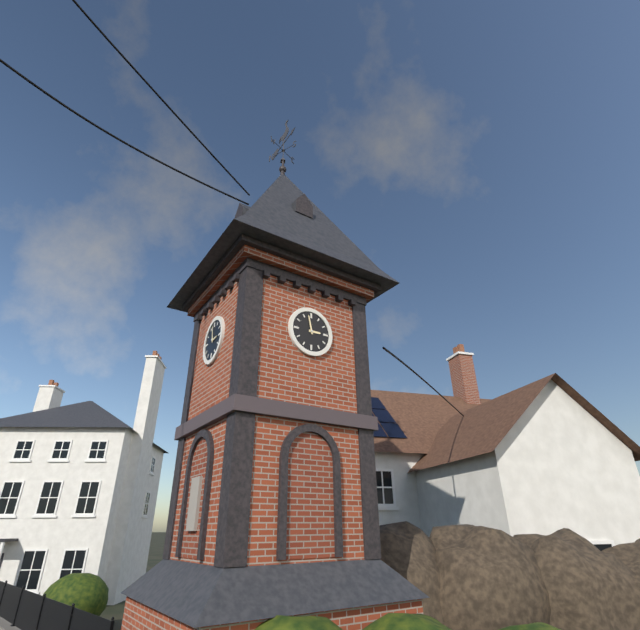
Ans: {"hour": 2, "minute": 58}
